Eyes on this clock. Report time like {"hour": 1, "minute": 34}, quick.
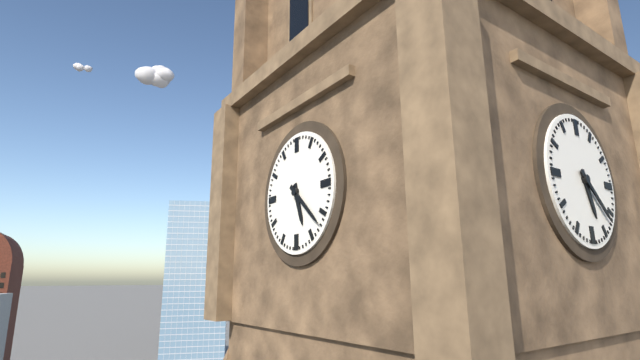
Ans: {"hour": 5, "minute": 22}
